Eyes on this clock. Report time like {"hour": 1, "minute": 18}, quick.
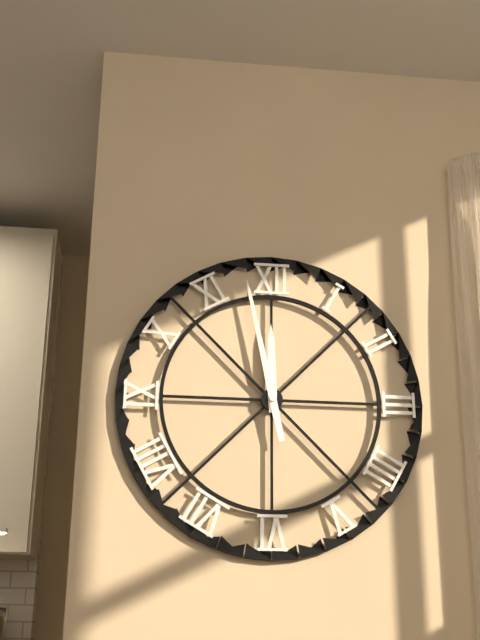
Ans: {"hour": 11, "minute": 58}
